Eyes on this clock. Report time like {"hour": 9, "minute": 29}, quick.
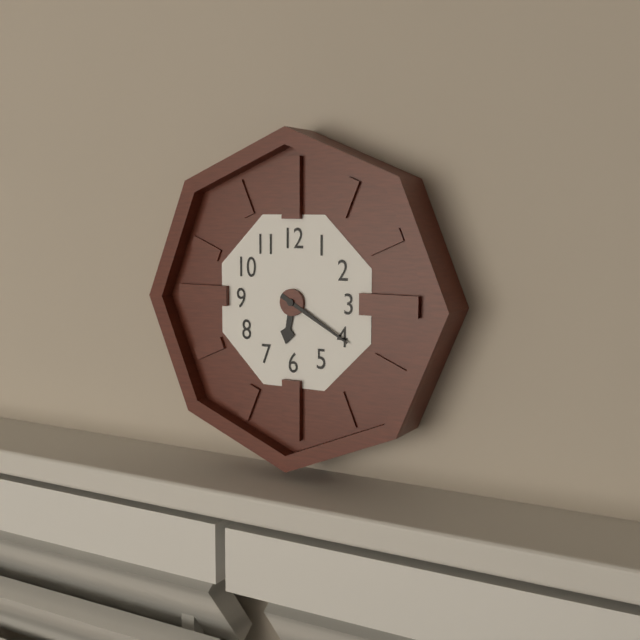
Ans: {"hour": 6, "minute": 20}
